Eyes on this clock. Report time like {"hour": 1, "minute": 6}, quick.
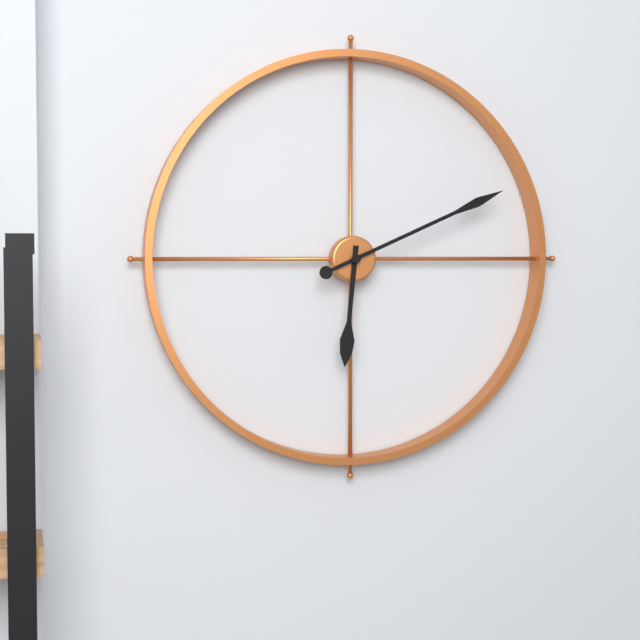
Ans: {"hour": 6, "minute": 11}
